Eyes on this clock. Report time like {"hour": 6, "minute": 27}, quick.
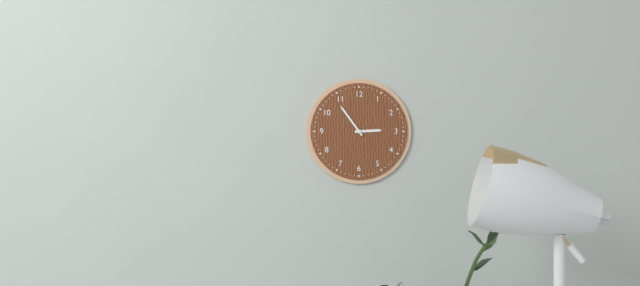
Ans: {"hour": 2, "minute": 54}
